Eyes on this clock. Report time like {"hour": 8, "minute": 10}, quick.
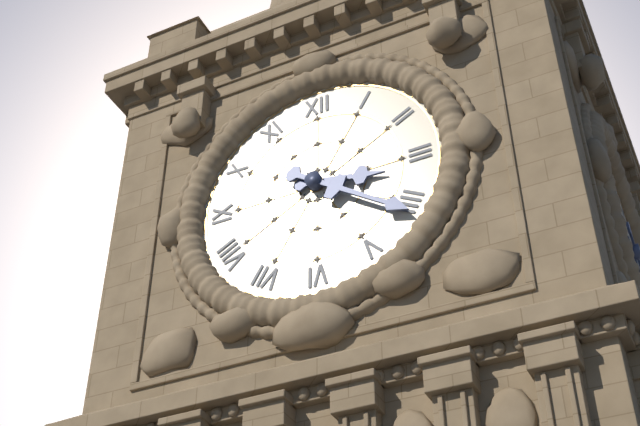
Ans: {"hour": 3, "minute": 21}
